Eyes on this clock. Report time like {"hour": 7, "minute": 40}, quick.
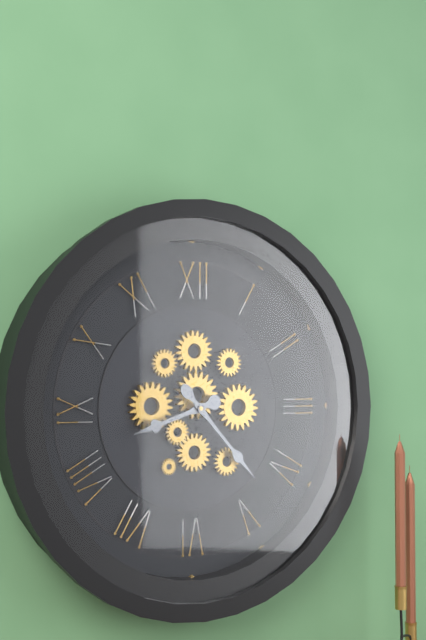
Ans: {"hour": 8, "minute": 23}
